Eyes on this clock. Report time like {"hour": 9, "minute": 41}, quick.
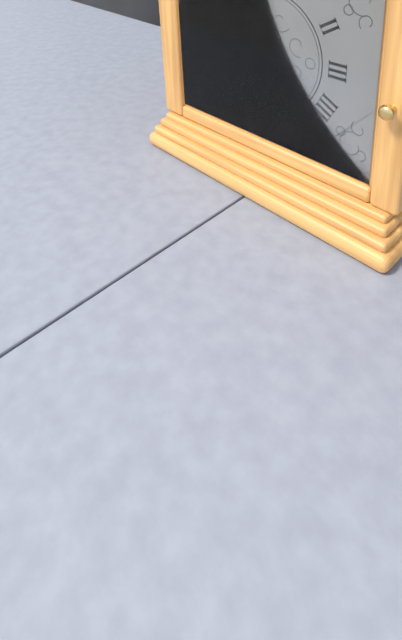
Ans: {"hour": 11, "minute": 27}
